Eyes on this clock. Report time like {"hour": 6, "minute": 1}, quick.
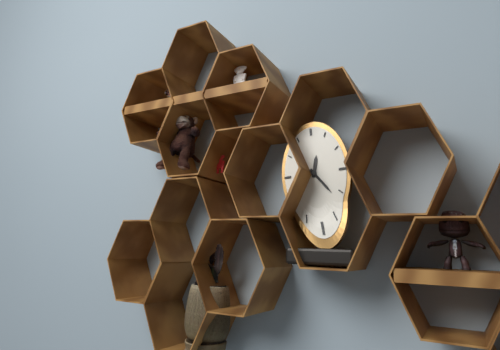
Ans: {"hour": 12, "minute": 24}
